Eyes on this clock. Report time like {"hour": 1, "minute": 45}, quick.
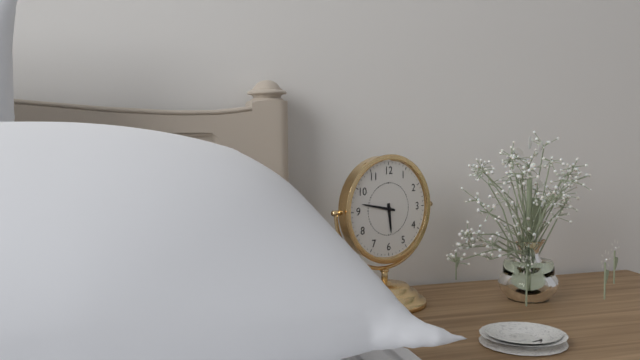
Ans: {"hour": 5, "minute": 47}
